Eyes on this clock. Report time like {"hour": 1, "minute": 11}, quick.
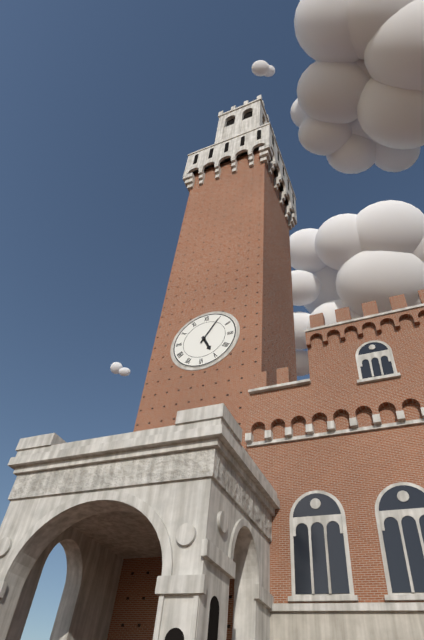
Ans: {"hour": 5, "minute": 5}
